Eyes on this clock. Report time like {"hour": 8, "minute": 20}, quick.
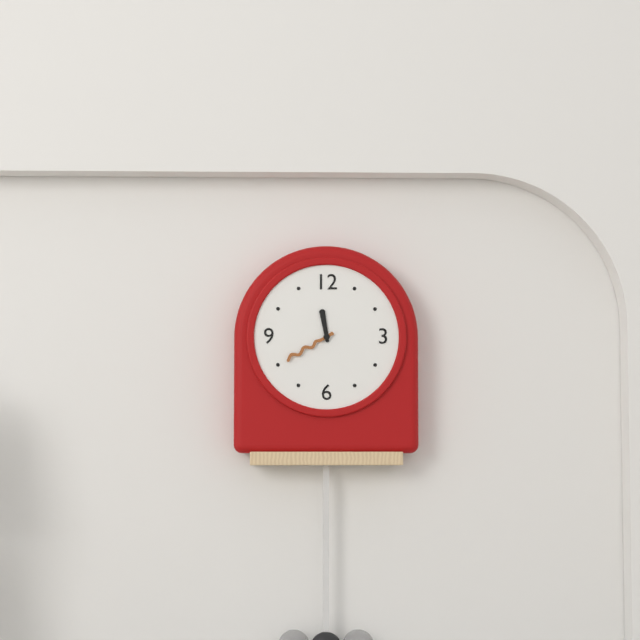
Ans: {"hour": 11, "minute": 40}
